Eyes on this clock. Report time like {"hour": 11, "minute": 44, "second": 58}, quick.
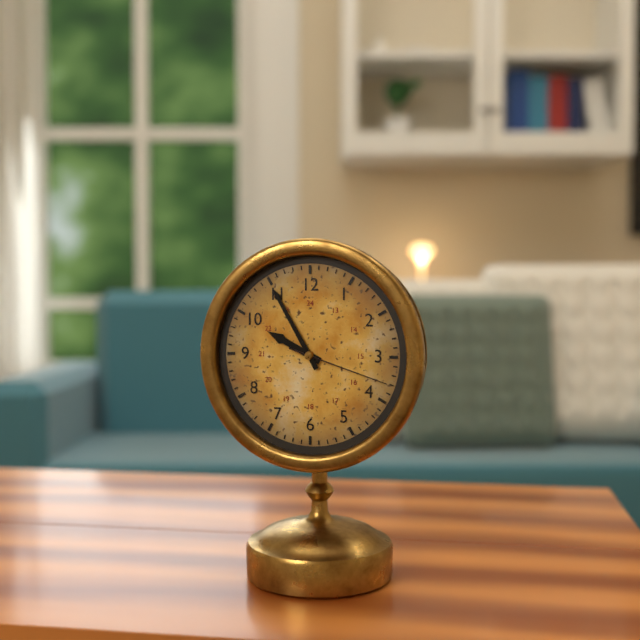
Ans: {"hour": 9, "minute": 55, "second": 18}
